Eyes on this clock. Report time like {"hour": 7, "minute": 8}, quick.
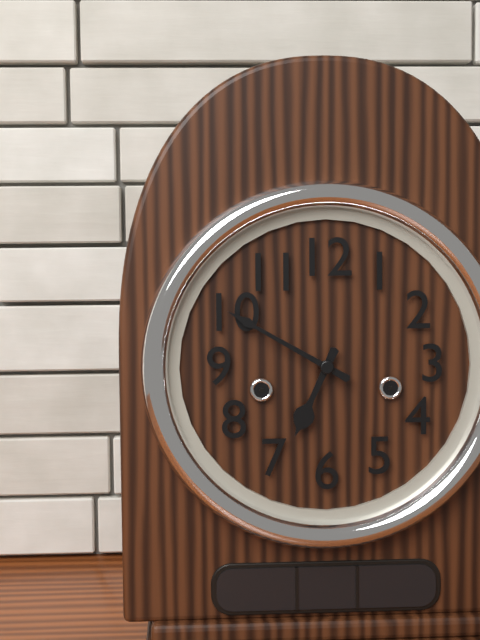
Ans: {"hour": 6, "minute": 50}
